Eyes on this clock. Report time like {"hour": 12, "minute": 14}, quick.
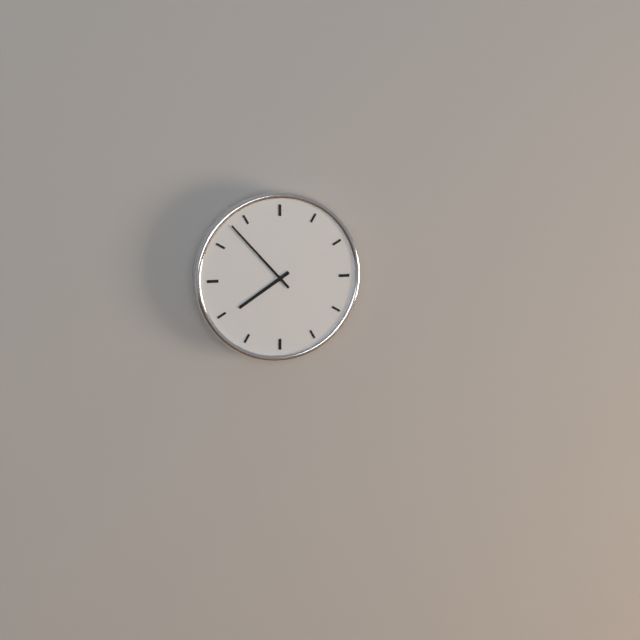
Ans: {"hour": 7, "minute": 53}
